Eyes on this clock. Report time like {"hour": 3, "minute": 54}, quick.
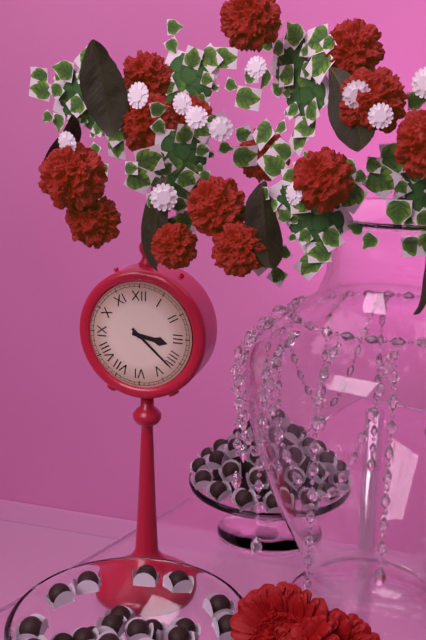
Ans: {"hour": 3, "minute": 22}
